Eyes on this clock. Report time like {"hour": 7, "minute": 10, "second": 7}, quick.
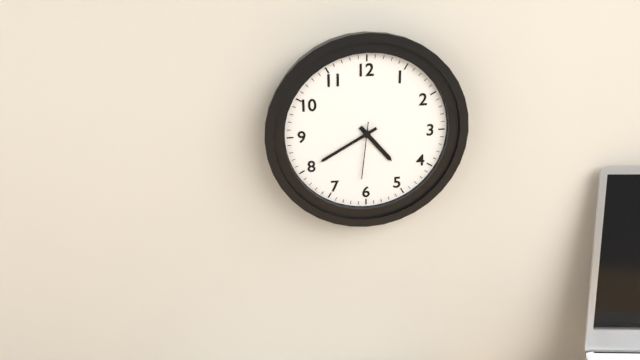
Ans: {"hour": 4, "minute": 40, "second": 31}
